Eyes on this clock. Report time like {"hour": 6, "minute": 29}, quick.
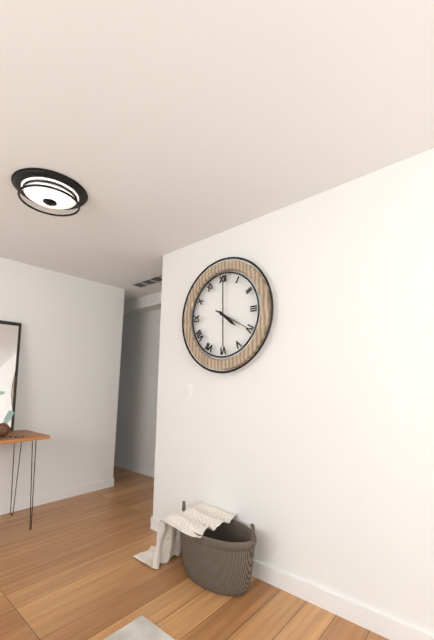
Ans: {"hour": 4, "minute": 20}
